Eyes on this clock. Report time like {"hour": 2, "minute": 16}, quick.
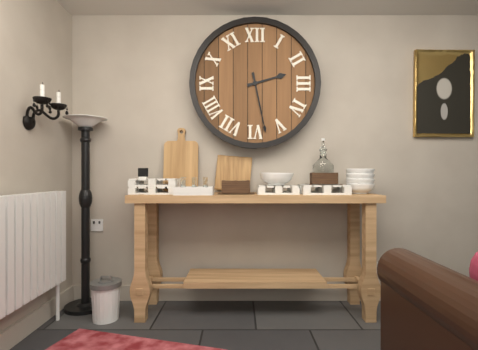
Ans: {"hour": 2, "minute": 28}
